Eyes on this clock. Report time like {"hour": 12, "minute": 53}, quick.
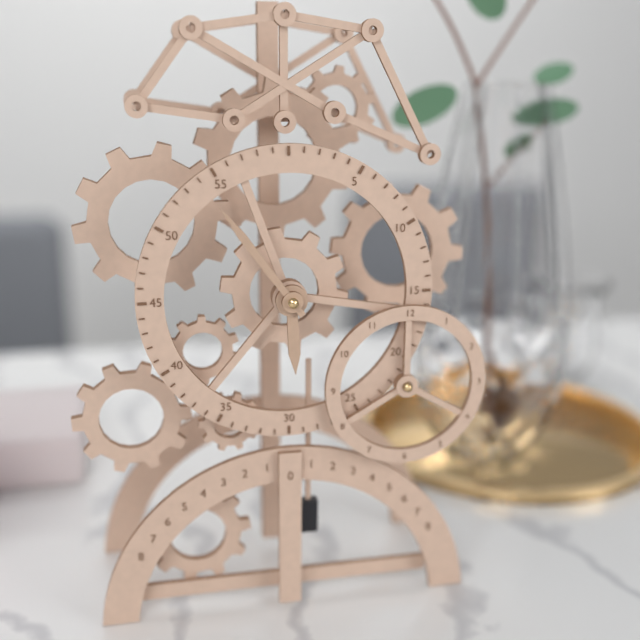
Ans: {"hour": 5, "minute": 54}
